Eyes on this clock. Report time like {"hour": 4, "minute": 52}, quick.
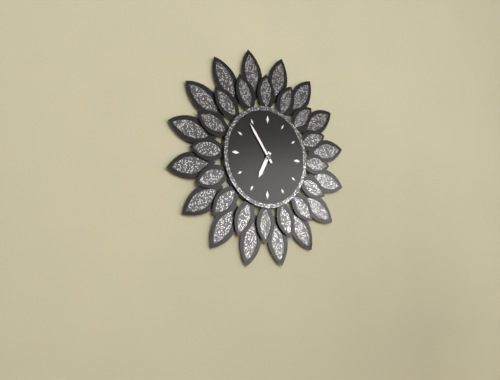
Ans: {"hour": 6, "minute": 54}
